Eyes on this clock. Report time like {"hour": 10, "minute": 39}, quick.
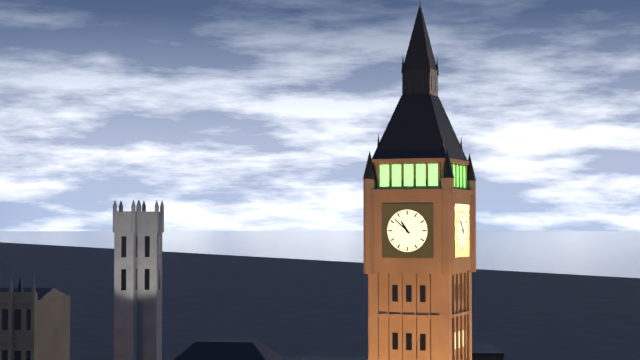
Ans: {"hour": 10, "minute": 52}
